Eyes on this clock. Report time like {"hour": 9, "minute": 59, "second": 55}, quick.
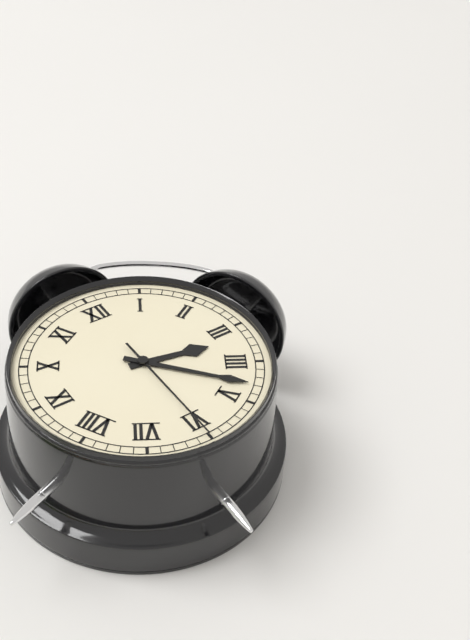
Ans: {"hour": 3, "minute": 23, "second": 30}
